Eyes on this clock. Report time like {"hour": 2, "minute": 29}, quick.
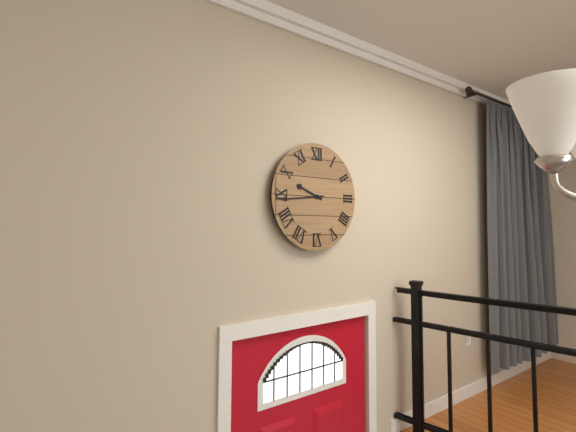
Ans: {"hour": 9, "minute": 44}
